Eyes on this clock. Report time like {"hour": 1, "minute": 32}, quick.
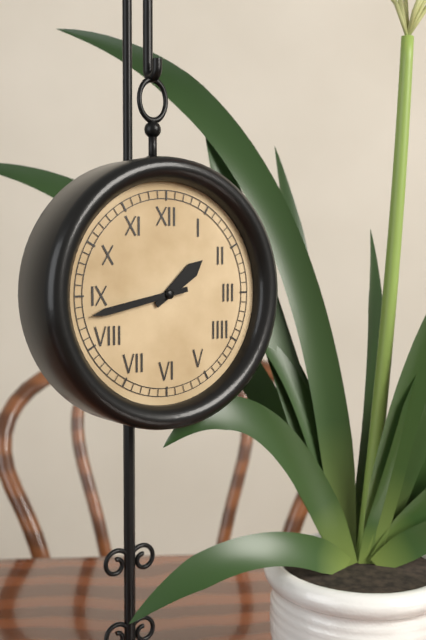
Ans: {"hour": 1, "minute": 43}
